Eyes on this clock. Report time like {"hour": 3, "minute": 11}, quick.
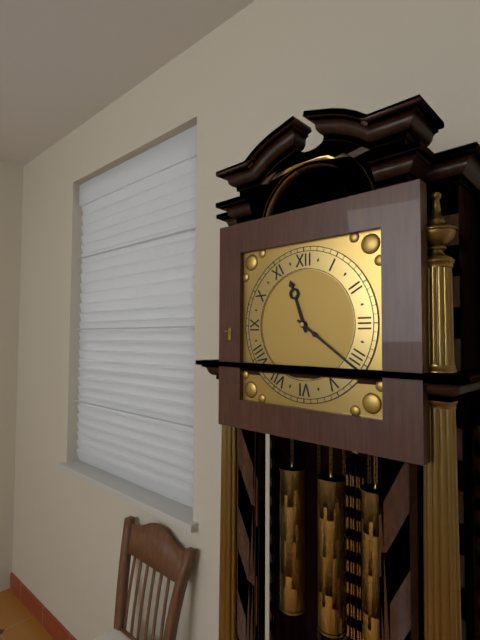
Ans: {"hour": 11, "minute": 21}
